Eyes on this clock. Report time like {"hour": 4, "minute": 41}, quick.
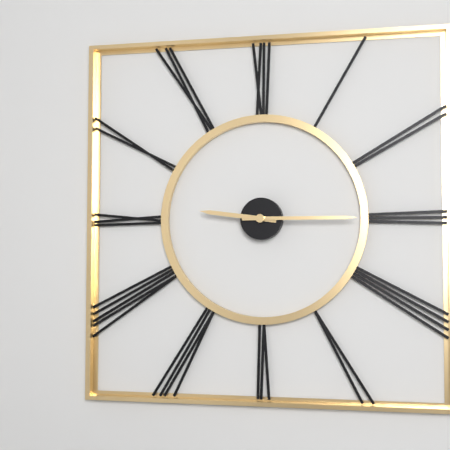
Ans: {"hour": 9, "minute": 15}
